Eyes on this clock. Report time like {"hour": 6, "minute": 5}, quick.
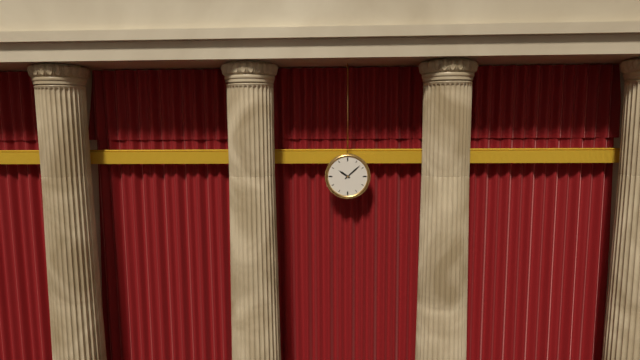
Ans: {"hour": 10, "minute": 8}
